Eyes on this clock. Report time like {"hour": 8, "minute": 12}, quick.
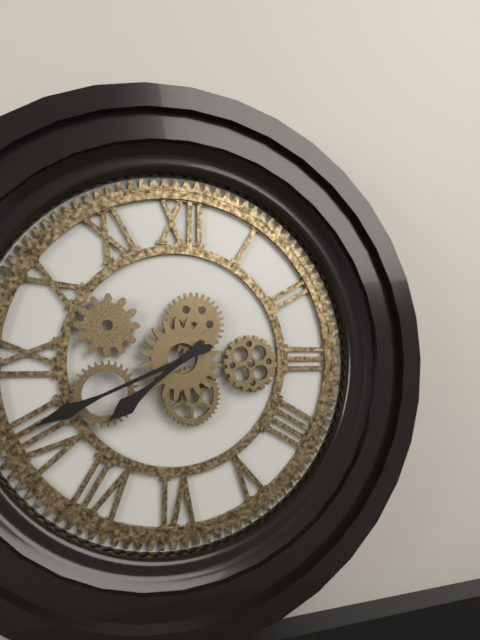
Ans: {"hour": 7, "minute": 41}
